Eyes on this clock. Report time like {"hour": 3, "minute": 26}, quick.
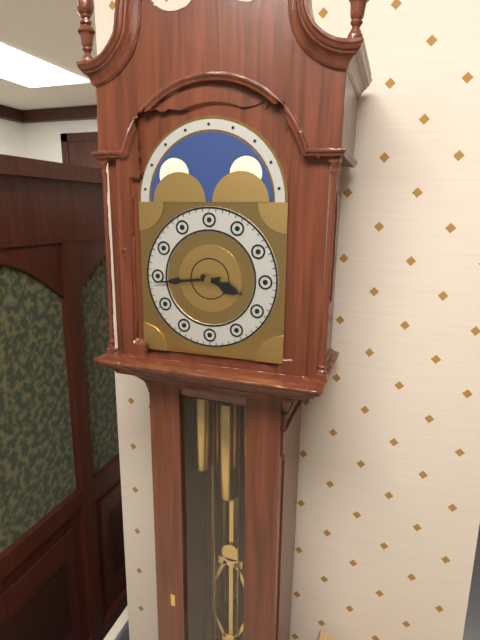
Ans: {"hour": 3, "minute": 44}
